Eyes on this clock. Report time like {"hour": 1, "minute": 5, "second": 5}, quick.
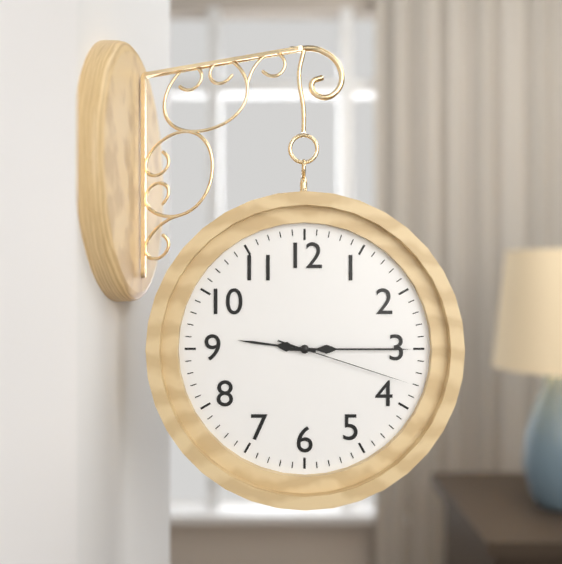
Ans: {"hour": 9, "minute": 15, "second": 18}
